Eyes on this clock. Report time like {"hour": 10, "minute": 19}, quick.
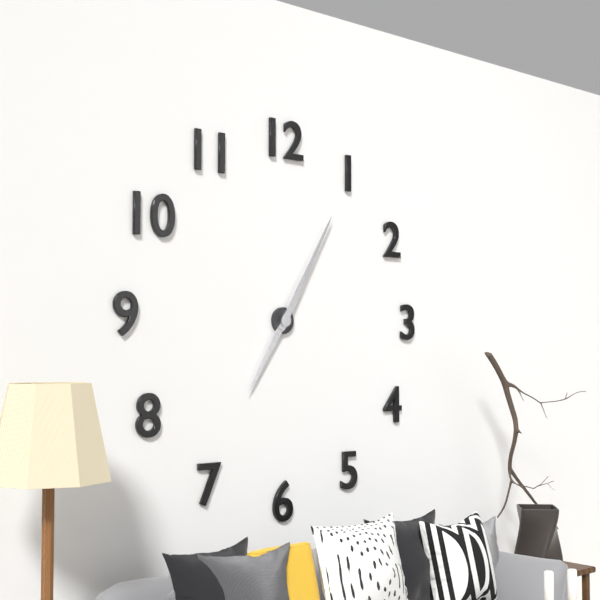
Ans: {"hour": 7, "minute": 5}
